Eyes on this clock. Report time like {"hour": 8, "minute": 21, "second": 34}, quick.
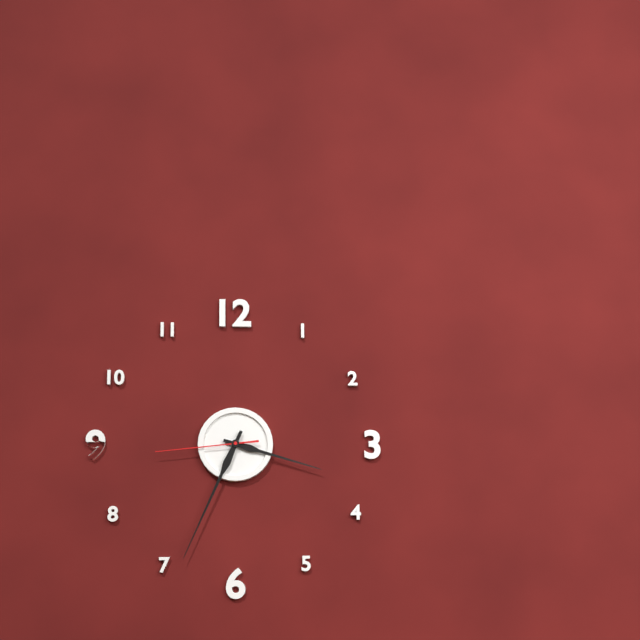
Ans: {"hour": 3, "minute": 34, "second": 44}
